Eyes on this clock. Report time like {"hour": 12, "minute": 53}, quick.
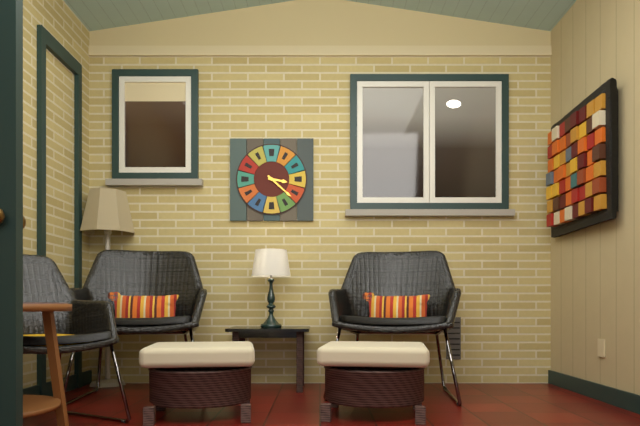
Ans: {"hour": 3, "minute": 22}
